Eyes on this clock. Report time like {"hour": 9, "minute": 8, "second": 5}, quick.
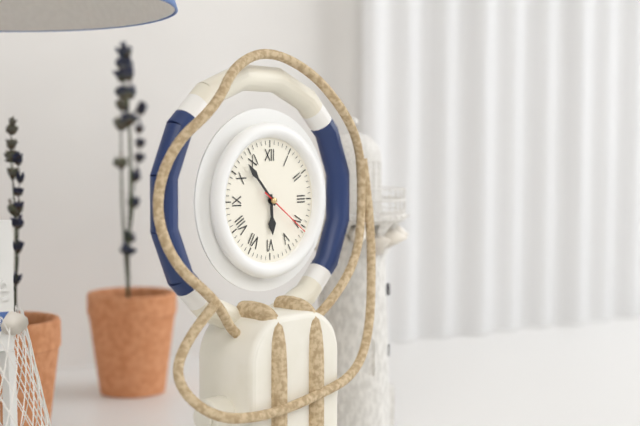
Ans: {"hour": 5, "minute": 53, "second": 21}
